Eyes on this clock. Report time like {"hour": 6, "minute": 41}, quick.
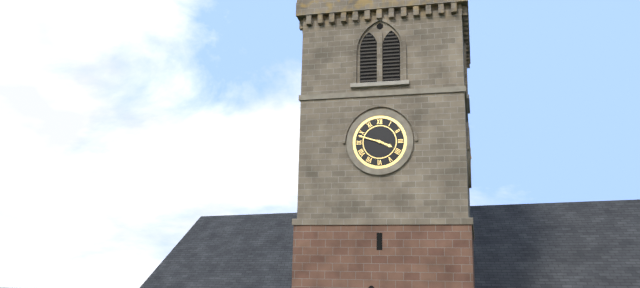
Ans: {"hour": 3, "minute": 48}
